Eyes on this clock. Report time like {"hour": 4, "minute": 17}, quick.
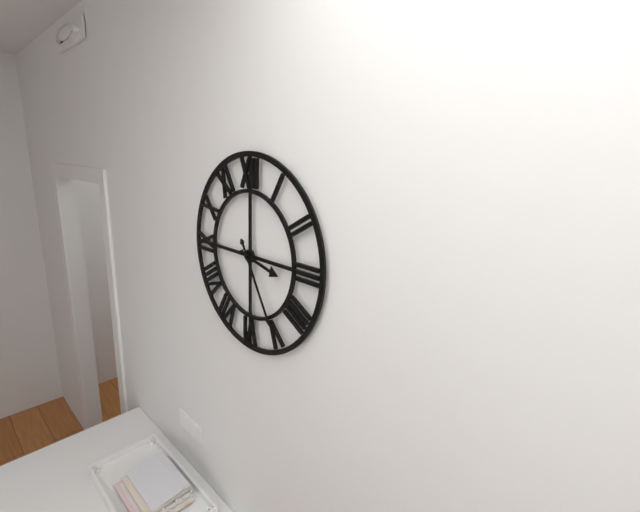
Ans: {"hour": 3, "minute": 25}
